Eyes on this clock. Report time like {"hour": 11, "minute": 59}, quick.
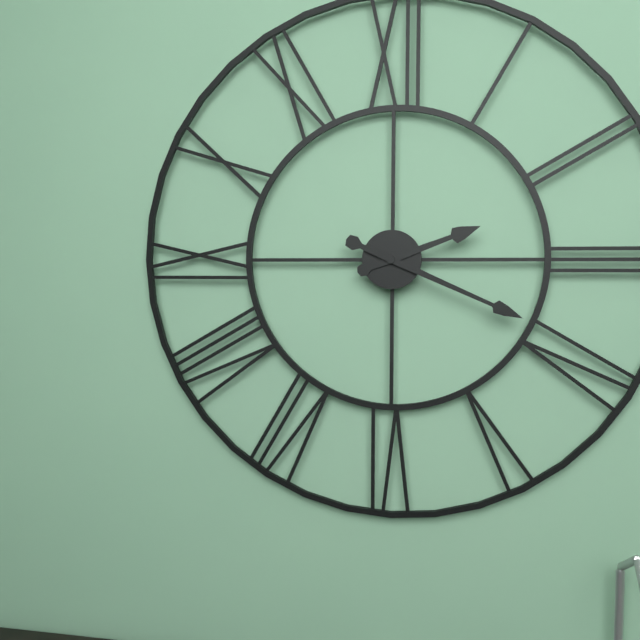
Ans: {"hour": 2, "minute": 19}
